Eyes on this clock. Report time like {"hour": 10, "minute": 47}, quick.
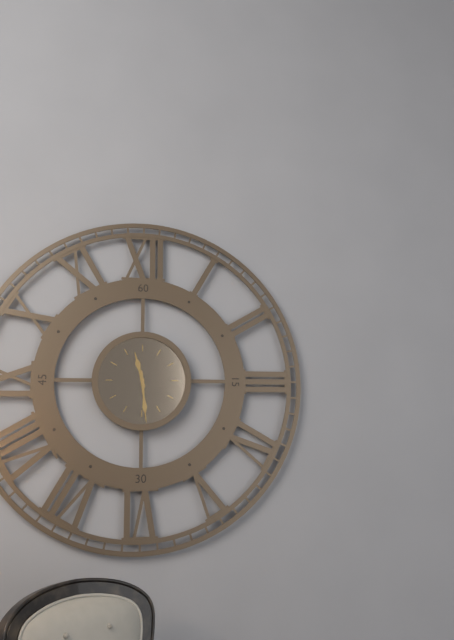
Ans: {"hour": 11, "minute": 29}
